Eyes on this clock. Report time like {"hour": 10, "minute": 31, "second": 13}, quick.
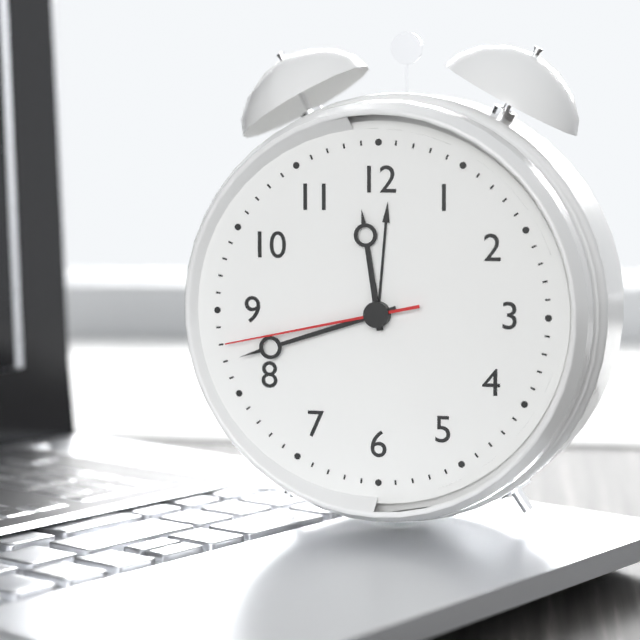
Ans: {"hour": 11, "minute": 42, "second": 43}
